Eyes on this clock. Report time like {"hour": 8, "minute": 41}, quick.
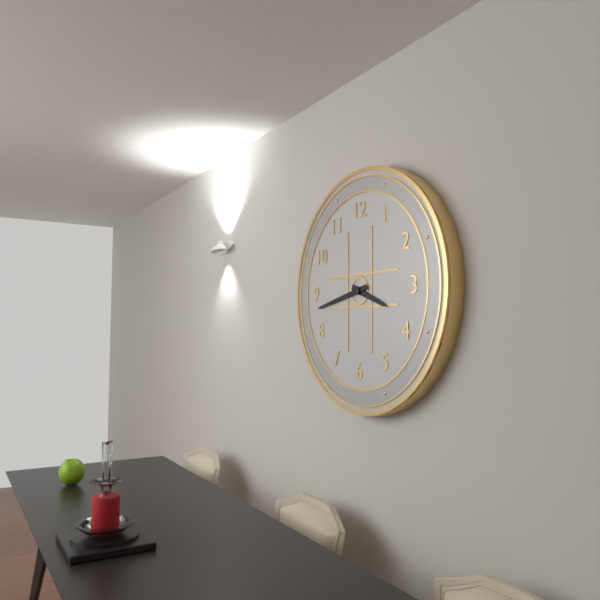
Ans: {"hour": 3, "minute": 43}
